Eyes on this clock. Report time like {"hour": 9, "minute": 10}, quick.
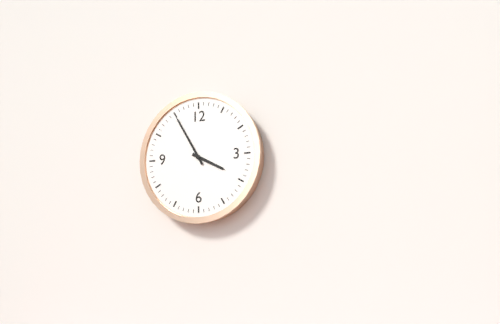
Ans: {"hour": 3, "minute": 55}
